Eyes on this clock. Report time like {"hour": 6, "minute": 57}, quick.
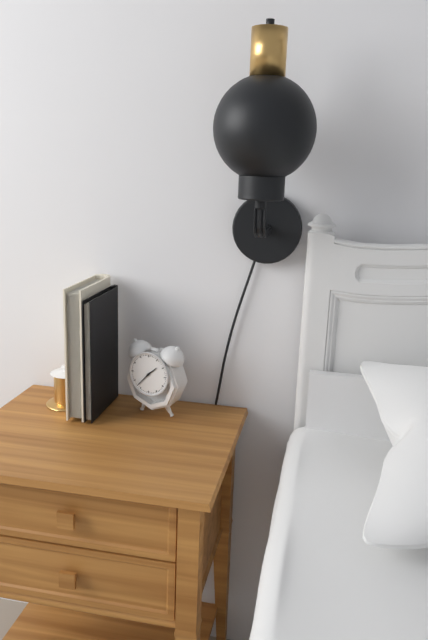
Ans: {"hour": 1, "minute": 37}
